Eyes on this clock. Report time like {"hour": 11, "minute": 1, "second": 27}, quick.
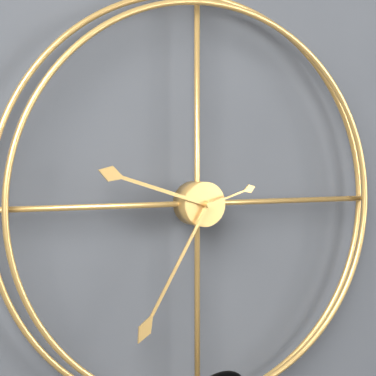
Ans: {"hour": 9, "minute": 35, "second": 12}
